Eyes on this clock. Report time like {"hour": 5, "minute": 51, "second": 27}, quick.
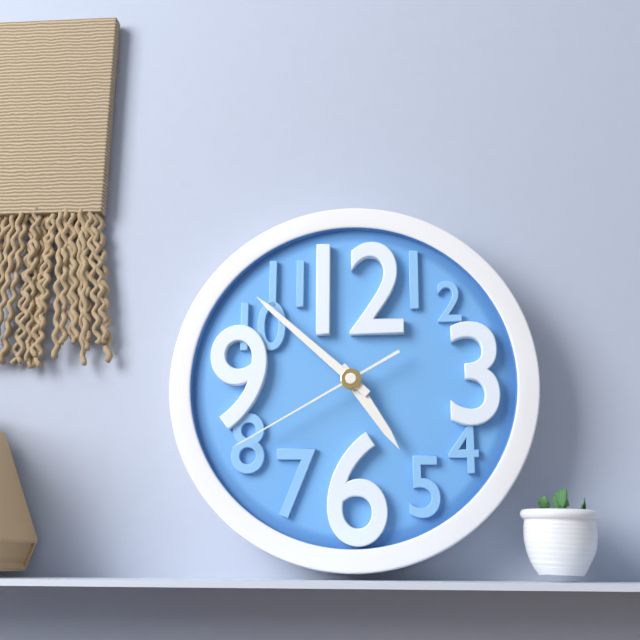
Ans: {"hour": 4, "minute": 52, "second": 40}
